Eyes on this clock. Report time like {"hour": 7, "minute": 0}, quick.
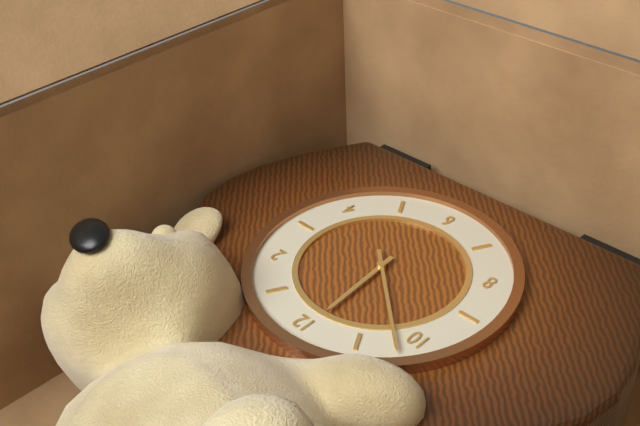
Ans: {"hour": 11, "minute": 52}
